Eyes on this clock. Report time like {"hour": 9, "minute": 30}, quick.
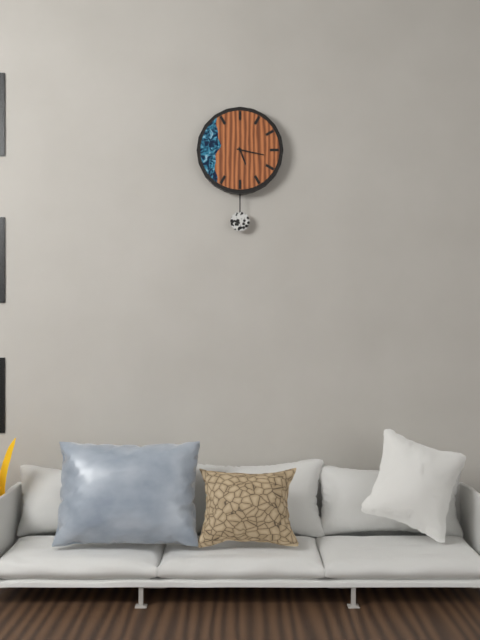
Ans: {"hour": 5, "minute": 17}
